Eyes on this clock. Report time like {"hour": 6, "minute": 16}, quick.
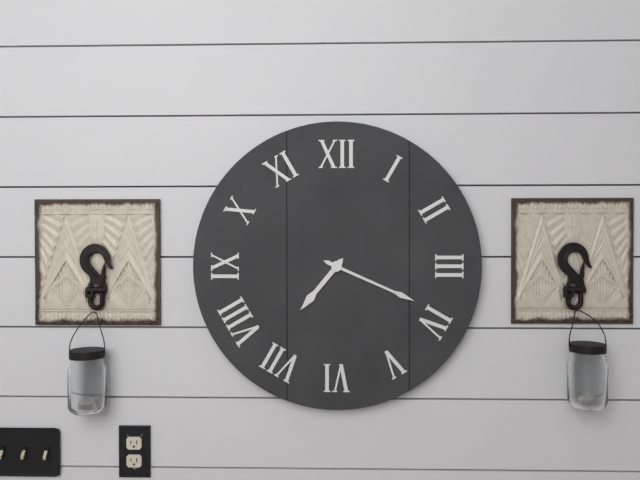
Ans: {"hour": 7, "minute": 19}
